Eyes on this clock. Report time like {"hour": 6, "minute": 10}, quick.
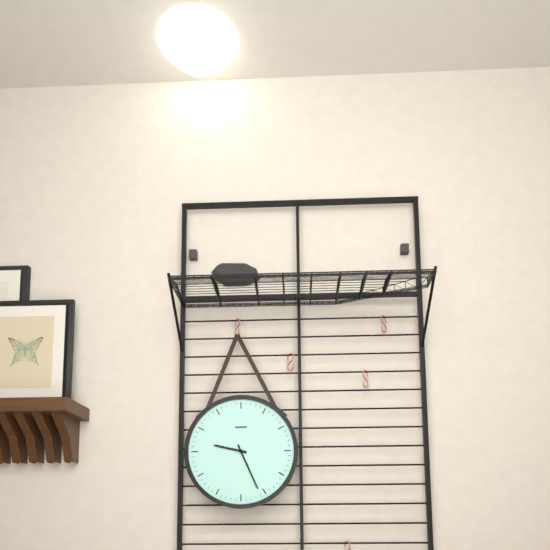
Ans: {"hour": 9, "minute": 26}
